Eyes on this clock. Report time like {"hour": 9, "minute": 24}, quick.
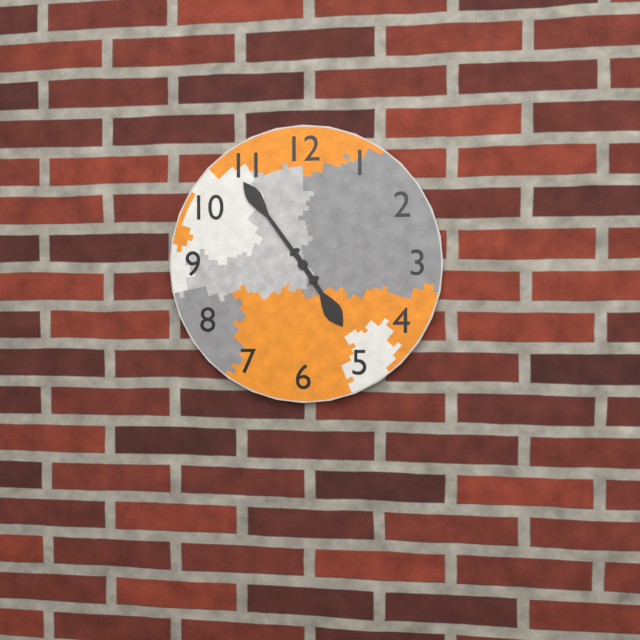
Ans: {"hour": 4, "minute": 54}
